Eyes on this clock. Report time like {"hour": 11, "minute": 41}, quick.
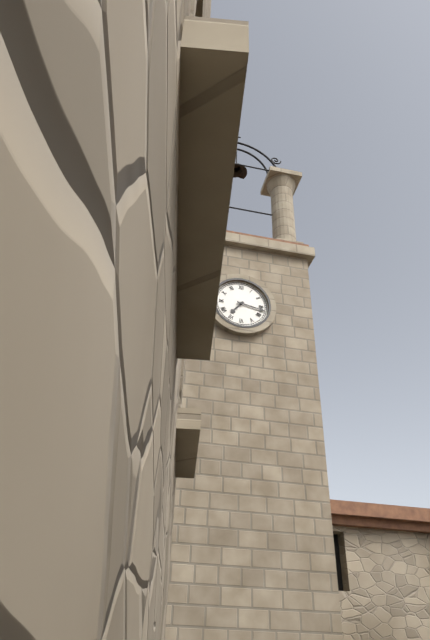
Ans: {"hour": 7, "minute": 17}
